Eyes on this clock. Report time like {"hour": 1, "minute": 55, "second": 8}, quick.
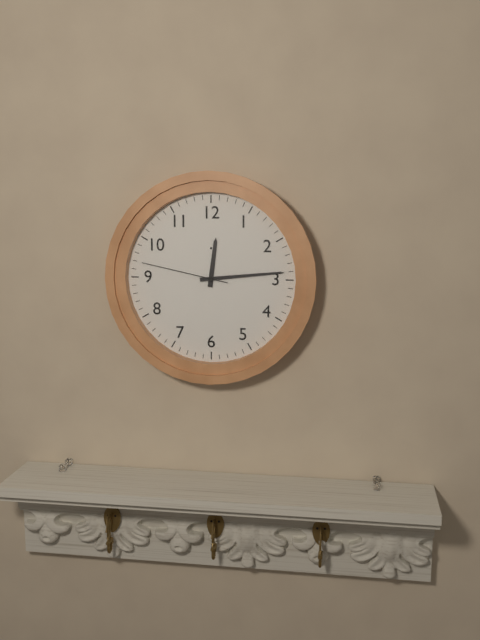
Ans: {"hour": 12, "minute": 14, "second": 47}
